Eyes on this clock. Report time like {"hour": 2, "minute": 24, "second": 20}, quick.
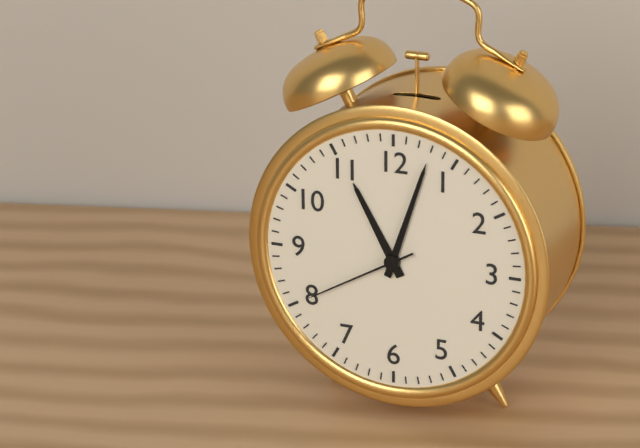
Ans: {"hour": 11, "minute": 3, "second": 40}
